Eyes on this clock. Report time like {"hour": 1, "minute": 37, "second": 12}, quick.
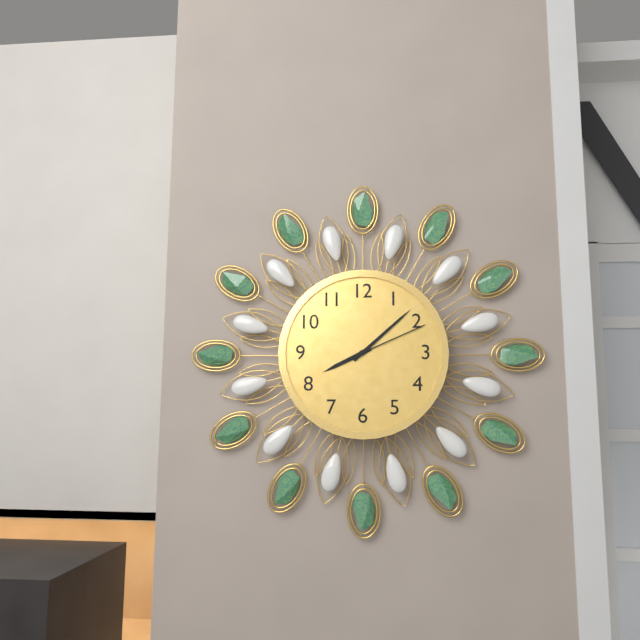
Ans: {"hour": 8, "minute": 8, "second": 11}
